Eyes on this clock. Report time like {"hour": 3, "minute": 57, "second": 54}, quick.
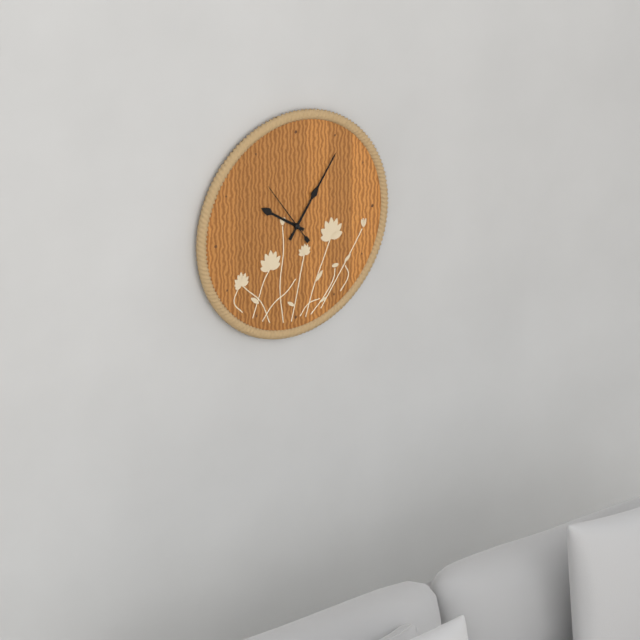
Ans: {"hour": 10, "minute": 6, "second": 54}
